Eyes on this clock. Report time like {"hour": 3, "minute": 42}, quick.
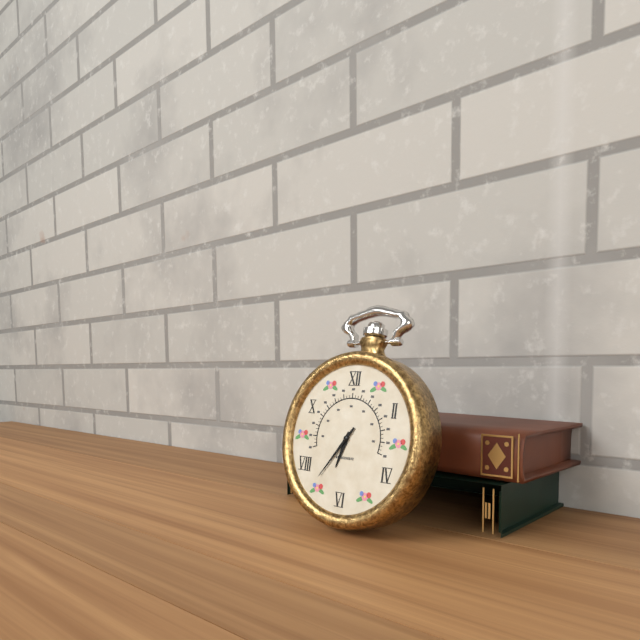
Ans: {"hour": 6, "minute": 36}
